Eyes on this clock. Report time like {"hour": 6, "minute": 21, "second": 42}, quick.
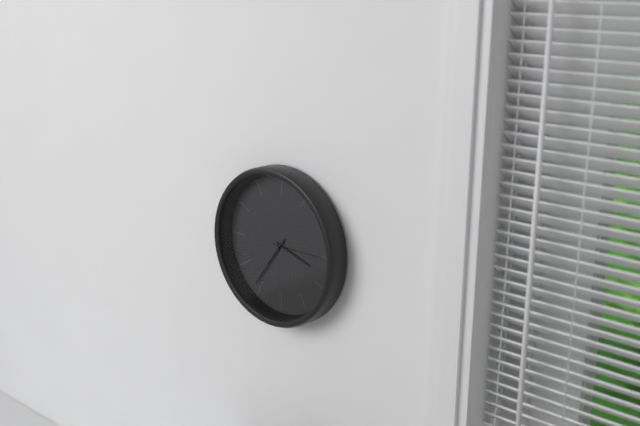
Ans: {"hour": 3, "minute": 36, "second": 15}
